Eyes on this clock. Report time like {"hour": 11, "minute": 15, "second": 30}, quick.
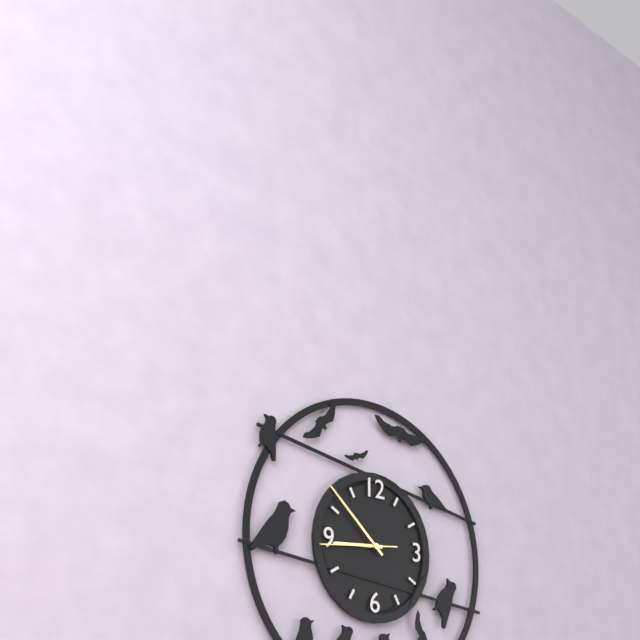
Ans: {"hour": 8, "minute": 52, "second": 44}
